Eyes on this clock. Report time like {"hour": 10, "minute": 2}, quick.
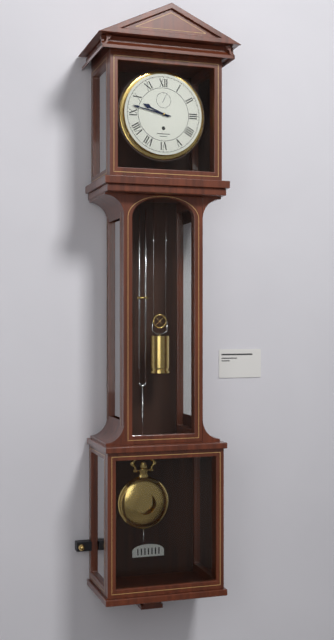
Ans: {"hour": 9, "minute": 47}
